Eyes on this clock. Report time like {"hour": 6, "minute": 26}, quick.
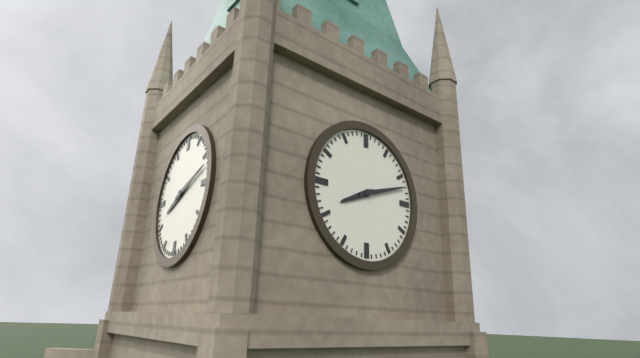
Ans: {"hour": 8, "minute": 12}
